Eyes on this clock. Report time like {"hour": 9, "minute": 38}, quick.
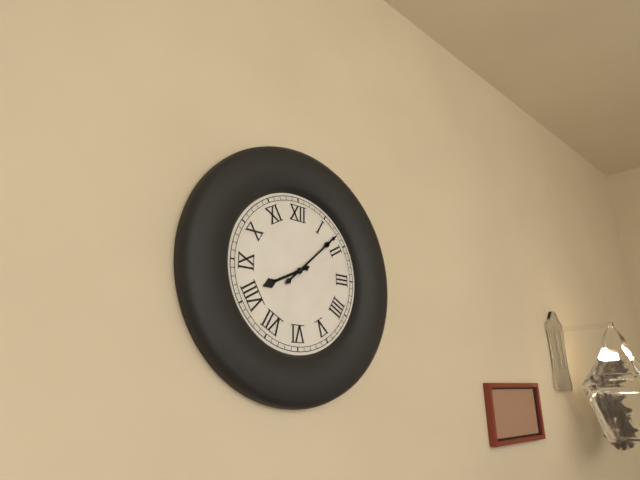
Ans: {"hour": 8, "minute": 8}
